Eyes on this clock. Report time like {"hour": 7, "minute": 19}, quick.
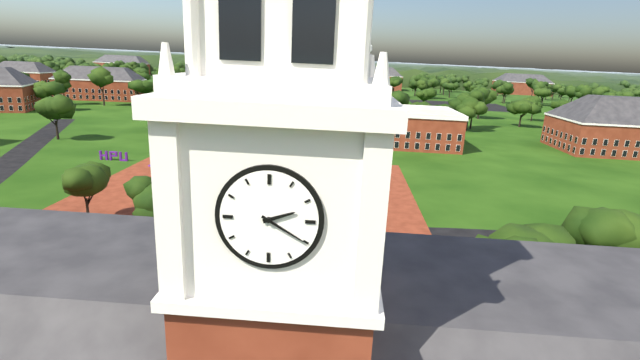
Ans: {"hour": 2, "minute": 20}
